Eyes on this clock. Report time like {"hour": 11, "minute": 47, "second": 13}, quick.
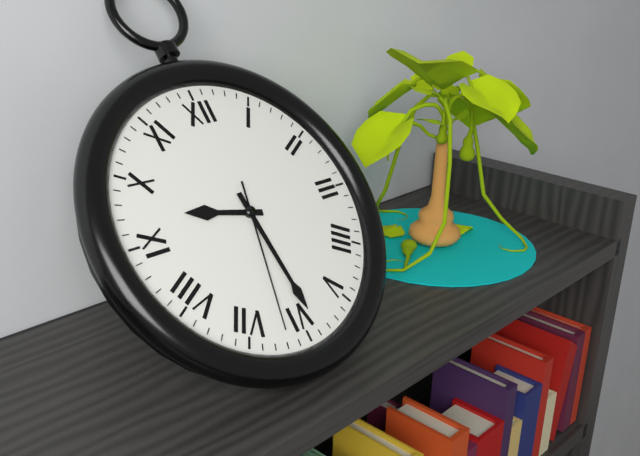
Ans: {"hour": 9, "minute": 29, "second": 32}
